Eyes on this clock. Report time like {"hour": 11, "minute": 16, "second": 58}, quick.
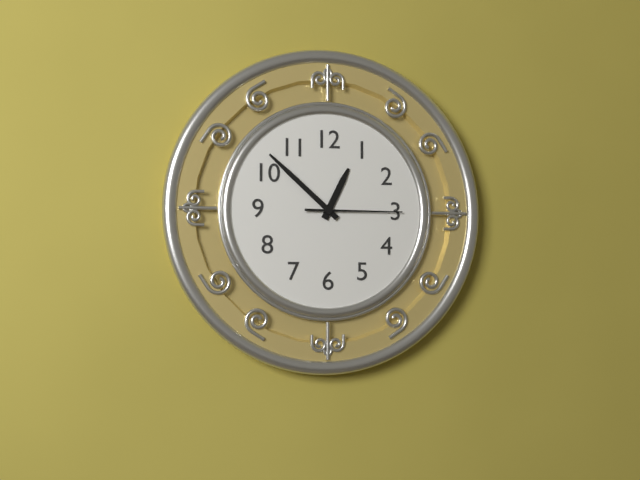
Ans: {"hour": 12, "minute": 52, "second": 15}
